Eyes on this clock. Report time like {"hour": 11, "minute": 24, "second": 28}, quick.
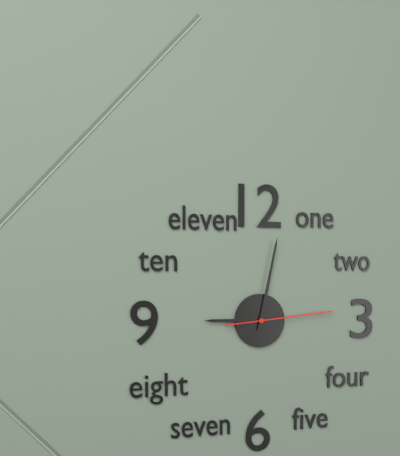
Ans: {"hour": 9, "minute": 2, "second": 14}
